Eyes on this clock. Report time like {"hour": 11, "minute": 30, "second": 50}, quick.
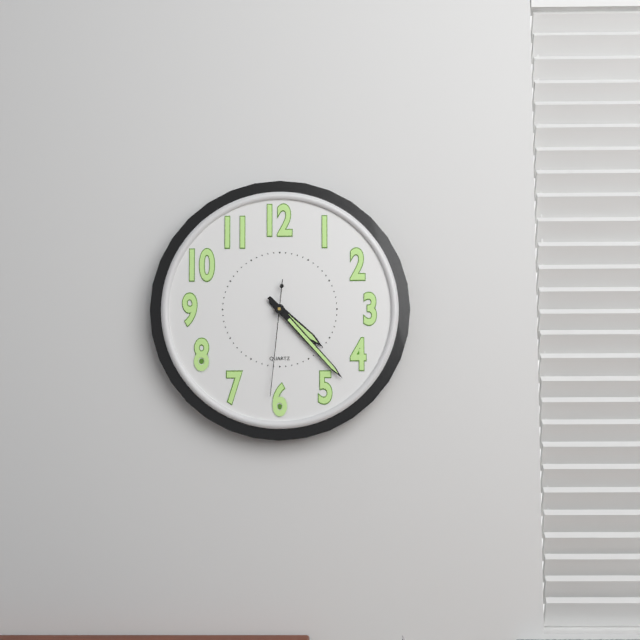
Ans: {"hour": 4, "minute": 23, "second": 31}
